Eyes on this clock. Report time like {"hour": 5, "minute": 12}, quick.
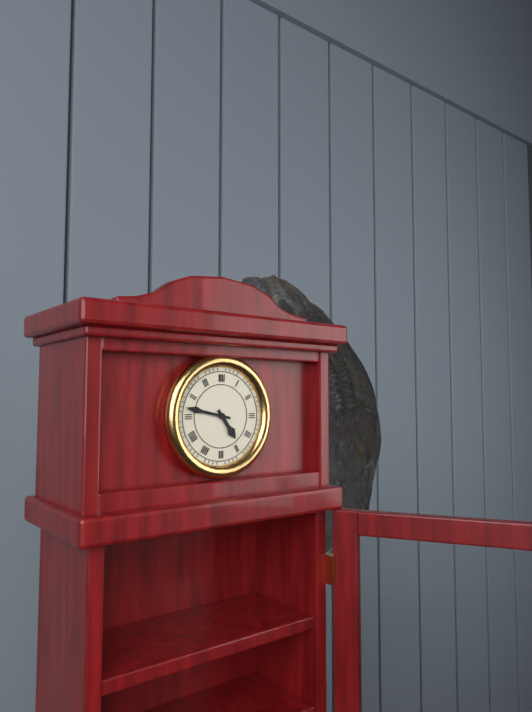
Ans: {"hour": 4, "minute": 47}
